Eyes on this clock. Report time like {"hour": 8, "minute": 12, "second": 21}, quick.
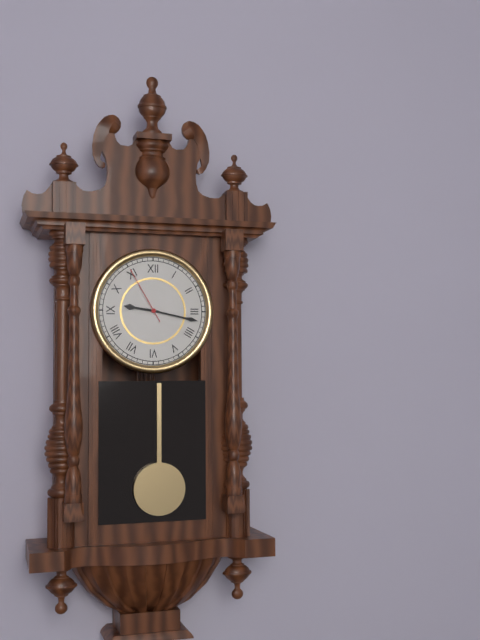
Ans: {"hour": 9, "minute": 17, "second": 55}
